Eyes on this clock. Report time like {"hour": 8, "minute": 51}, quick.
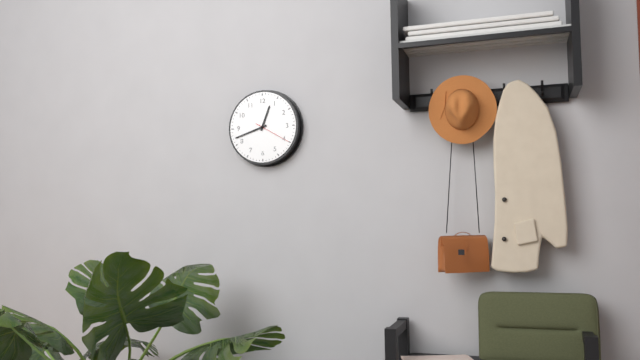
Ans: {"hour": 12, "minute": 42}
